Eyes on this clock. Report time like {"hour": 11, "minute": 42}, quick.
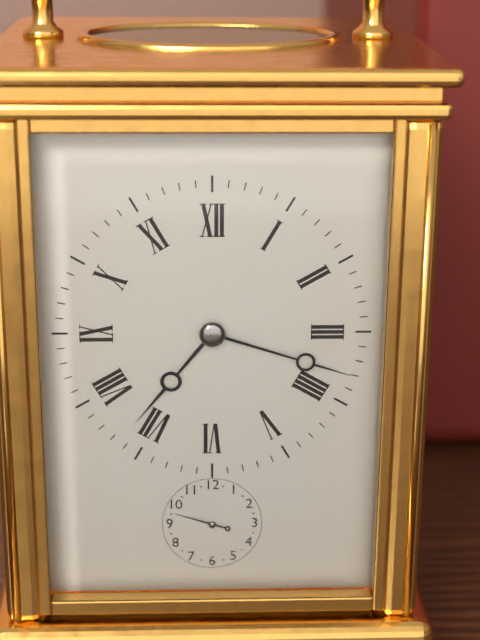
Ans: {"hour": 7, "minute": 18}
